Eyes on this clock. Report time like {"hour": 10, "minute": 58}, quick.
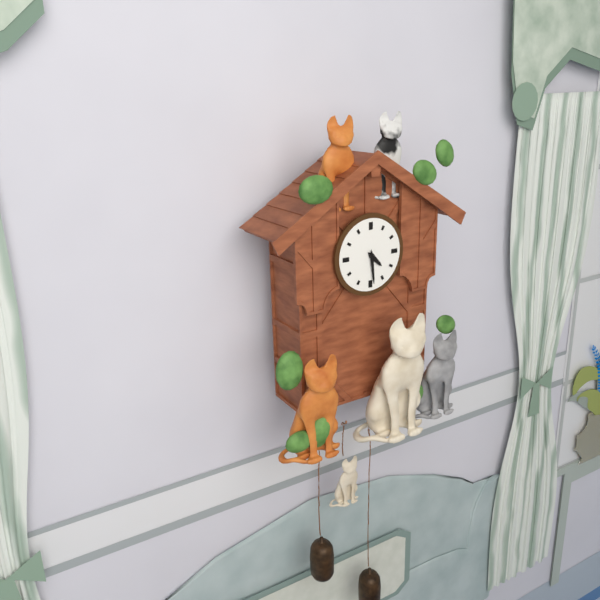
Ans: {"hour": 4, "minute": 29}
